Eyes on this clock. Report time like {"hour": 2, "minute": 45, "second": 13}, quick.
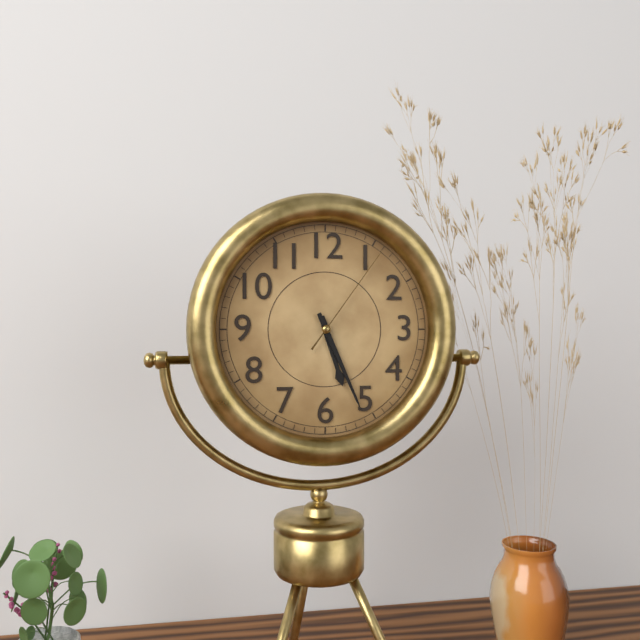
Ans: {"hour": 5, "minute": 26, "second": 6}
